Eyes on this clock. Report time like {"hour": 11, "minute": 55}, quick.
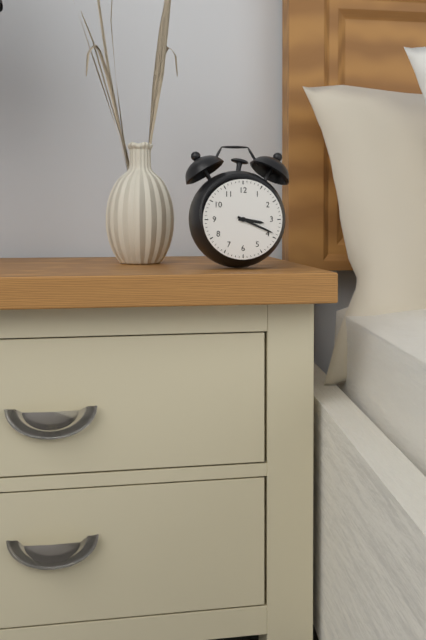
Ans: {"hour": 3, "minute": 19}
